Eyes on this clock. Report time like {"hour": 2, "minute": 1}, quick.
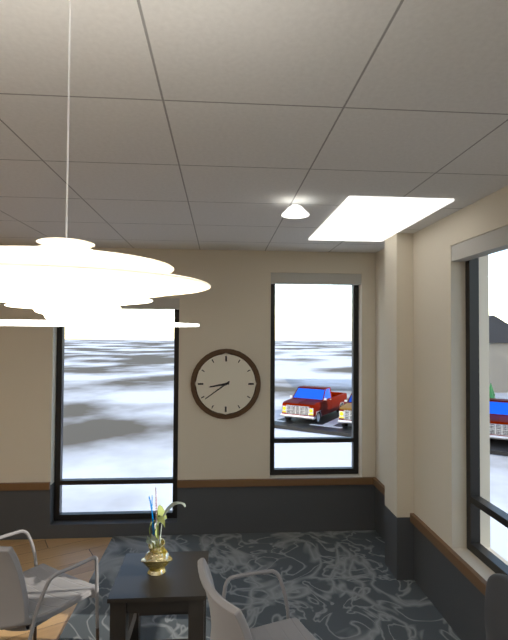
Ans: {"hour": 8, "minute": 39}
